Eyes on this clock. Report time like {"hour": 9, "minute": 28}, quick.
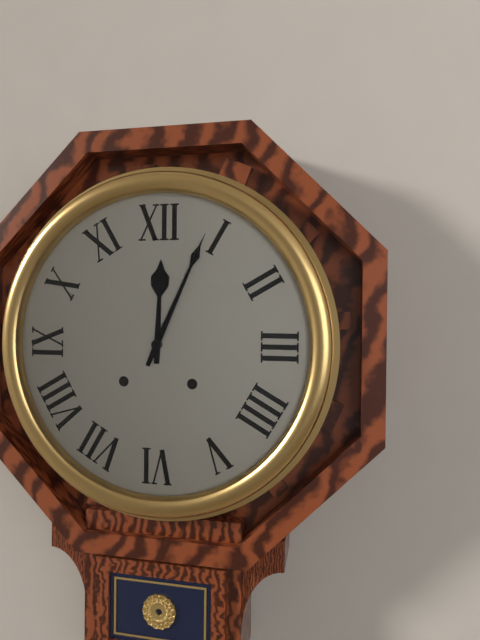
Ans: {"hour": 12, "minute": 4}
